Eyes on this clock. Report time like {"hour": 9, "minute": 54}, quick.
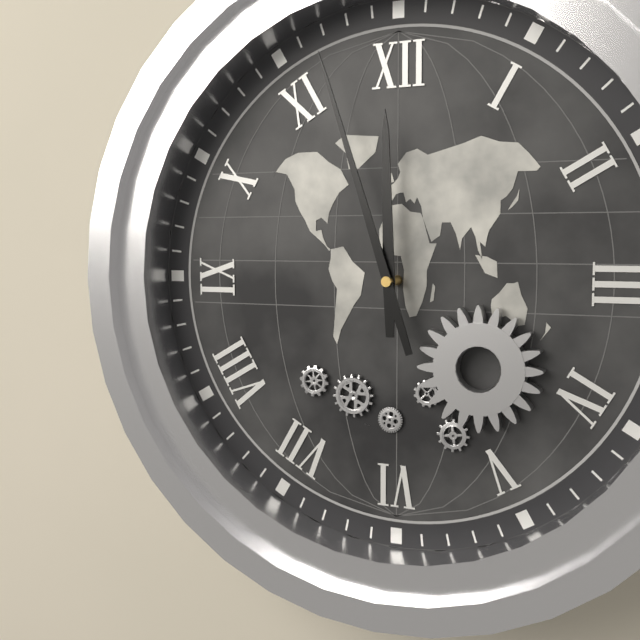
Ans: {"hour": 11, "minute": 57}
